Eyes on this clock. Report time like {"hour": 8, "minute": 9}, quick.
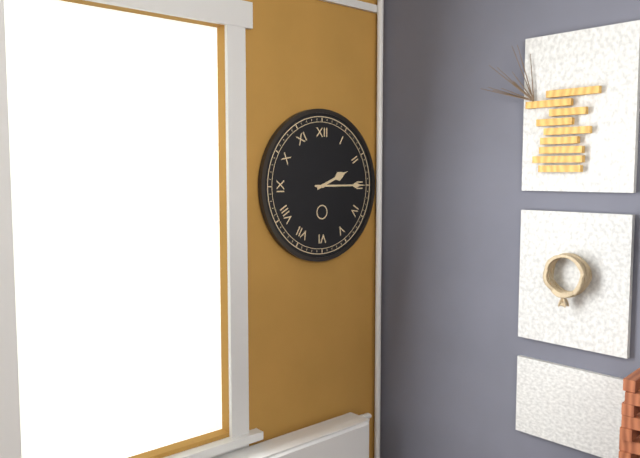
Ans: {"hour": 2, "minute": 15}
